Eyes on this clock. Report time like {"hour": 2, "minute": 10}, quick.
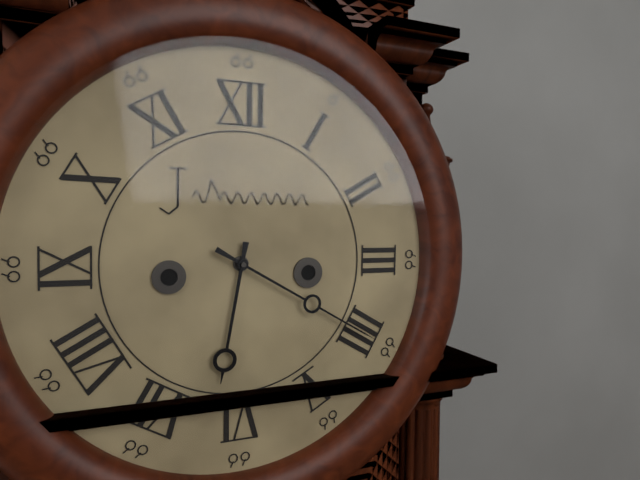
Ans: {"hour": 6, "minute": 20}
